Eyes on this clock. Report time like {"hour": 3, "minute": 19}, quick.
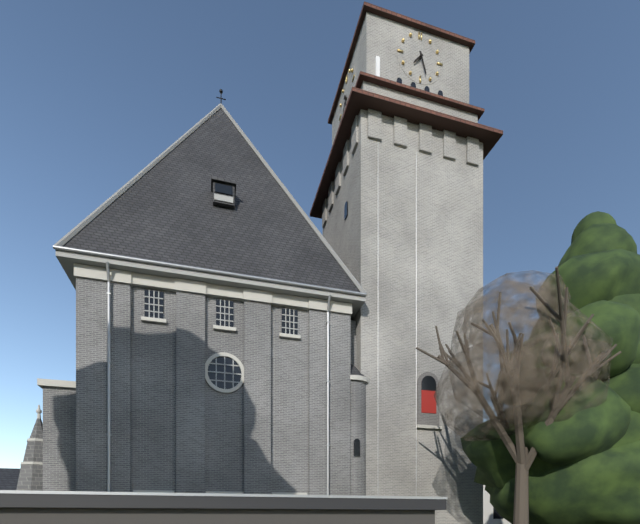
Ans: {"hour": 7, "minute": 27}
